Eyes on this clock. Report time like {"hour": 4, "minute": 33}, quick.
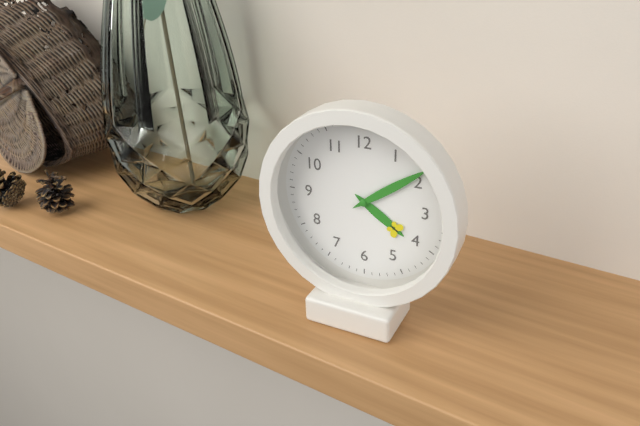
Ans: {"hour": 4, "minute": 9}
